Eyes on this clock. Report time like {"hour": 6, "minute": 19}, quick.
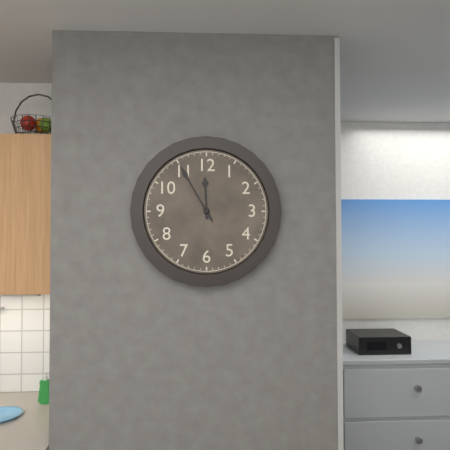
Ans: {"hour": 11, "minute": 55}
